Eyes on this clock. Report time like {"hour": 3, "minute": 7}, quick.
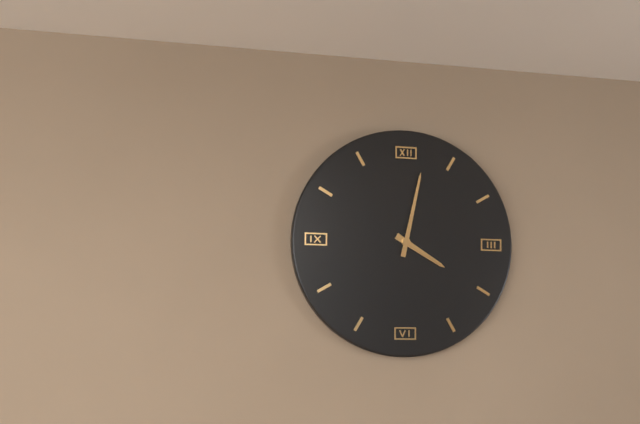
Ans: {"hour": 4, "minute": 2}
